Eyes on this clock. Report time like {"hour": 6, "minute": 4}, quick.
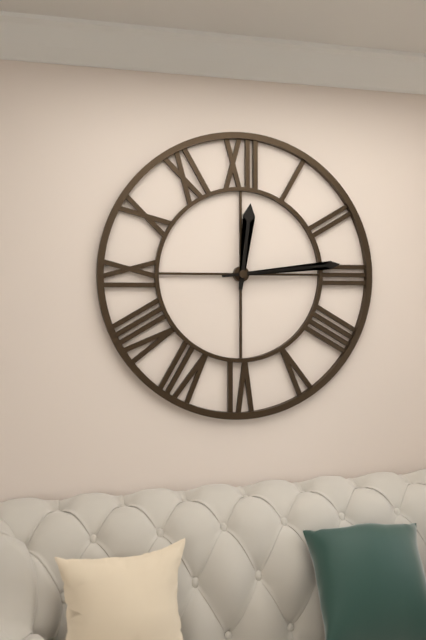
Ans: {"hour": 12, "minute": 14}
